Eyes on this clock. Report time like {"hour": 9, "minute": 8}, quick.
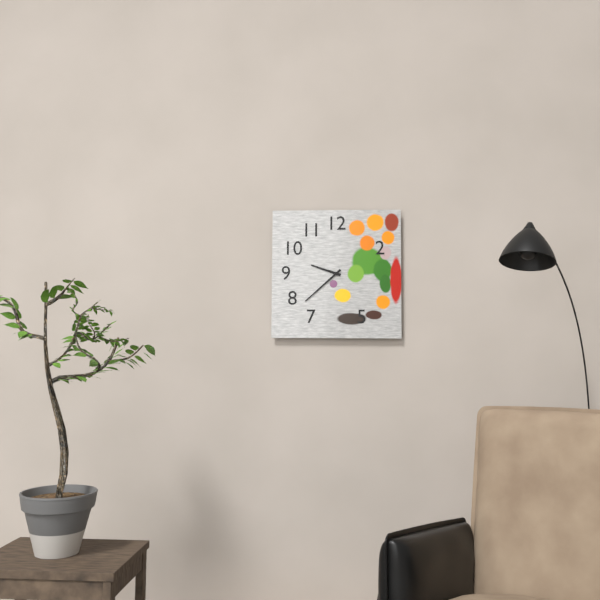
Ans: {"hour": 9, "minute": 38}
